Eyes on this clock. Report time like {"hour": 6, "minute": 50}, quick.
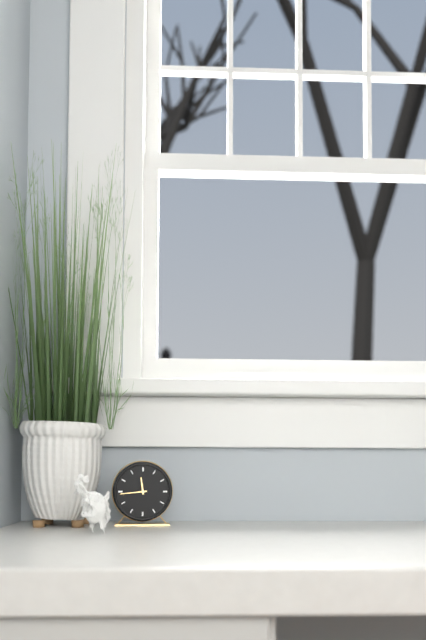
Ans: {"hour": 11, "minute": 44}
